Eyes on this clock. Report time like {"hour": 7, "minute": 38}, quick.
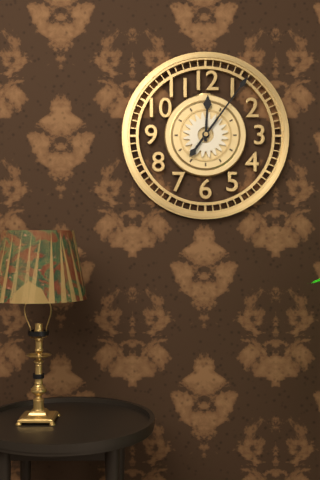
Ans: {"hour": 12, "minute": 6}
